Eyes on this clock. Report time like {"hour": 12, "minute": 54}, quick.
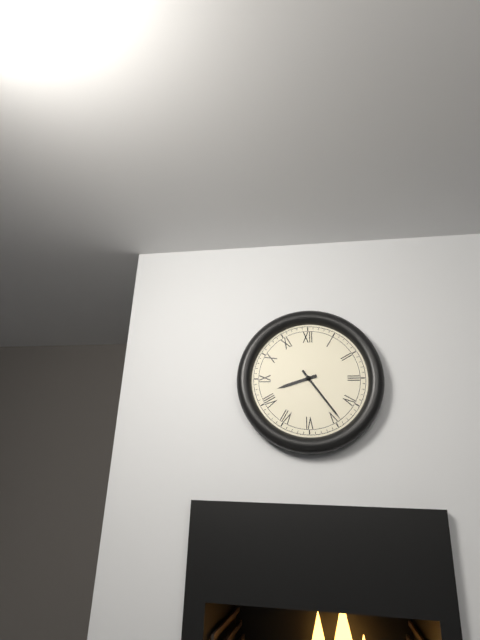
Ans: {"hour": 8, "minute": 24}
